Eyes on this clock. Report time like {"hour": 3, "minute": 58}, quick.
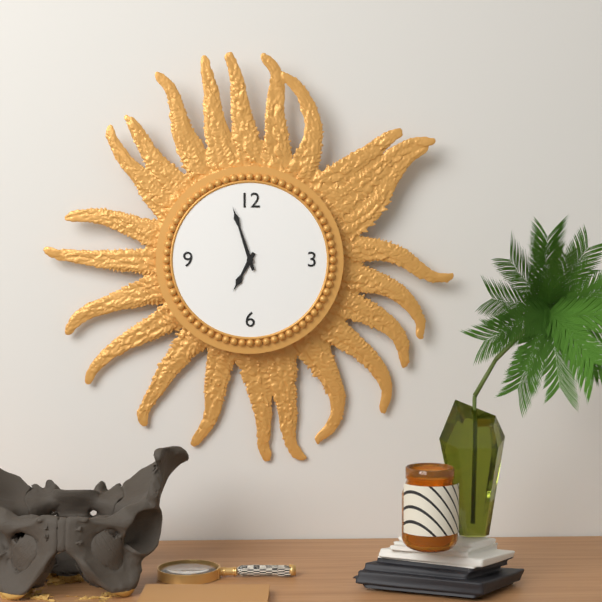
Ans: {"hour": 6, "minute": 57}
